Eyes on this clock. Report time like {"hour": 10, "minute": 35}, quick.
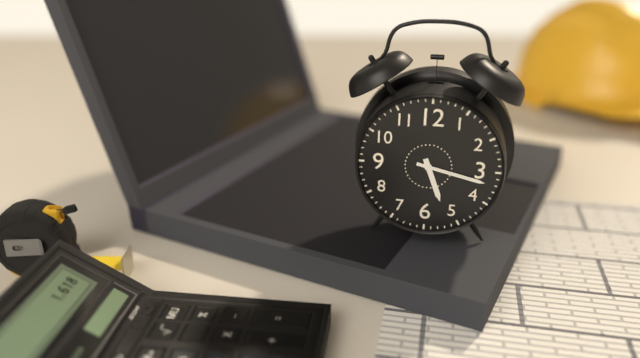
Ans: {"hour": 5, "minute": 17}
